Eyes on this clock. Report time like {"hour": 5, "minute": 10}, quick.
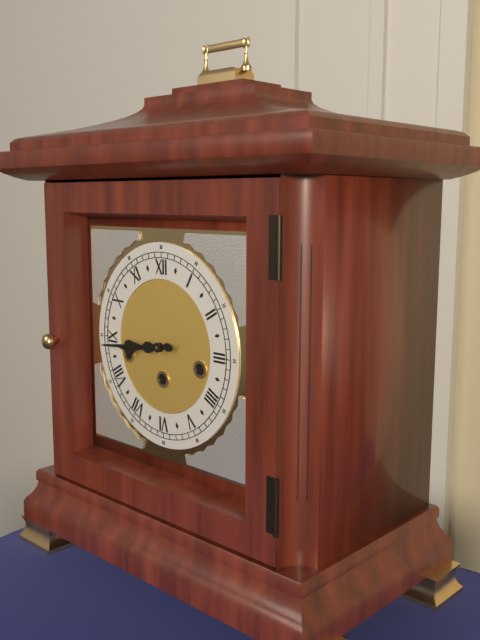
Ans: {"hour": 8, "minute": 44}
